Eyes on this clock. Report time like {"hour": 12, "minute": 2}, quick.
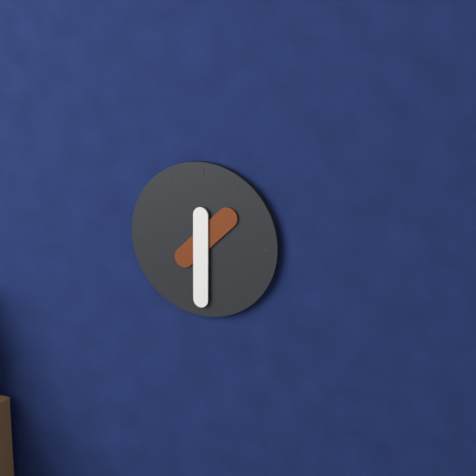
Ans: {"hour": 1, "minute": 30}
